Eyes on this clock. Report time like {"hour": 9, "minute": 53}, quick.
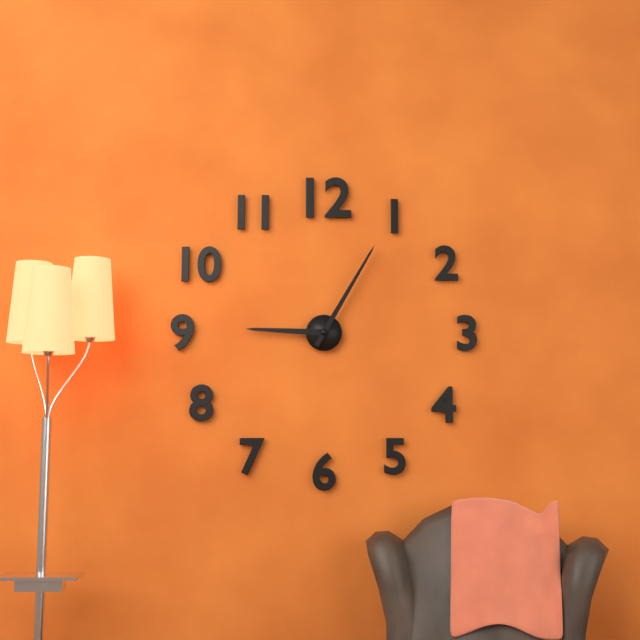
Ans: {"hour": 9, "minute": 5}
